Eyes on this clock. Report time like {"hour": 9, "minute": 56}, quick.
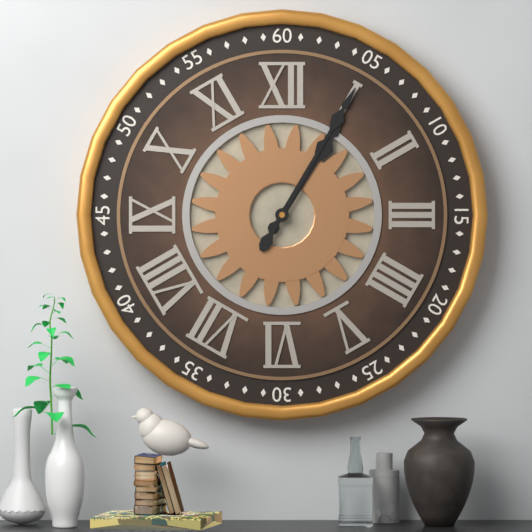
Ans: {"hour": 1, "minute": 5}
